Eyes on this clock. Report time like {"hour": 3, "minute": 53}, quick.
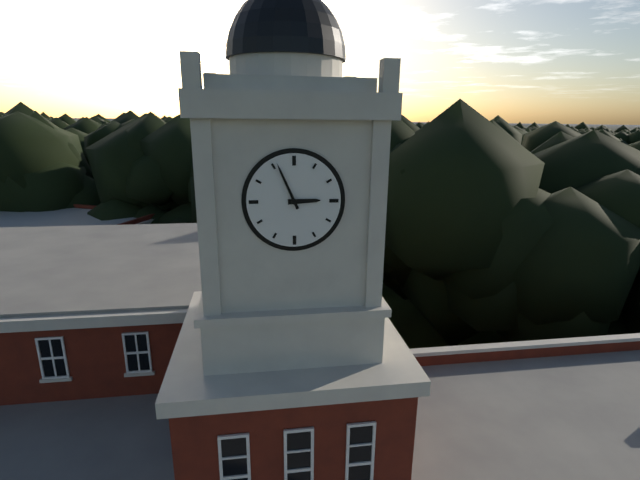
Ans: {"hour": 2, "minute": 56}
